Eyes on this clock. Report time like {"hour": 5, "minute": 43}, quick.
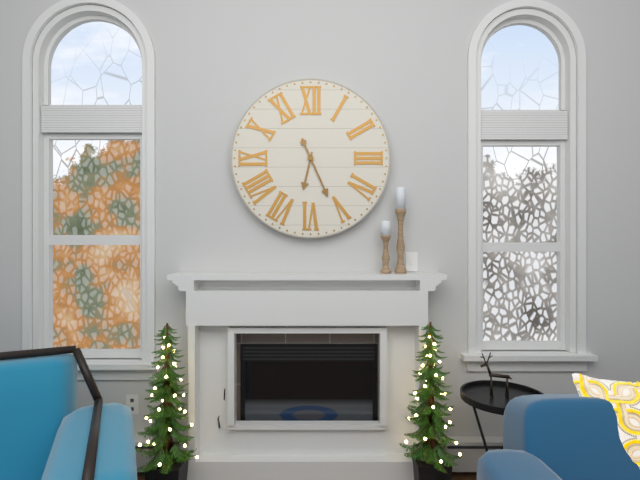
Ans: {"hour": 6, "minute": 26}
